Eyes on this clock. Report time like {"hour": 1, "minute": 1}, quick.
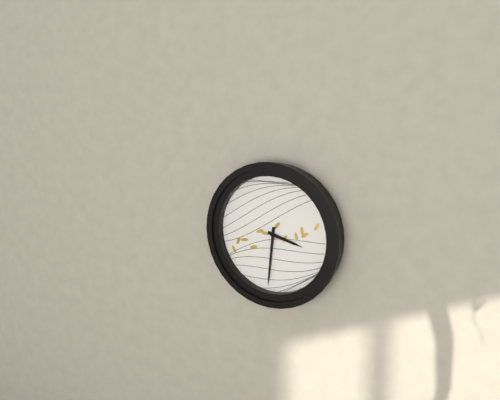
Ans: {"hour": 3, "minute": 31}
